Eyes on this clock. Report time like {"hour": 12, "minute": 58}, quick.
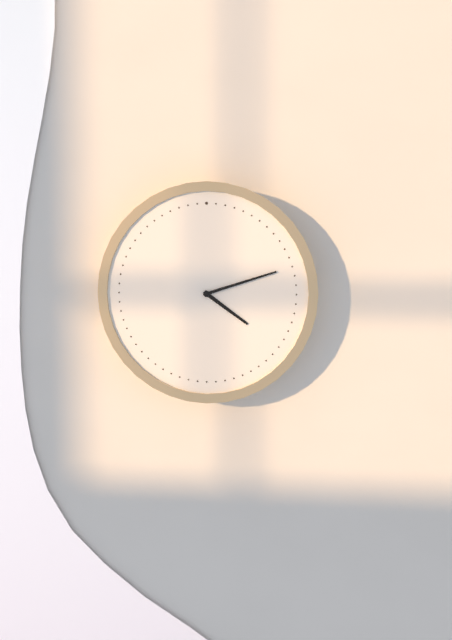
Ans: {"hour": 4, "minute": 12}
